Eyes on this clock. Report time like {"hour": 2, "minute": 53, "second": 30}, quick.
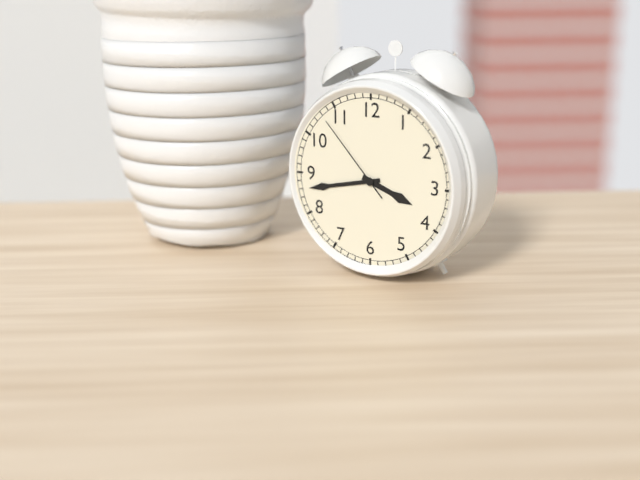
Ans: {"hour": 3, "minute": 43, "second": 53}
